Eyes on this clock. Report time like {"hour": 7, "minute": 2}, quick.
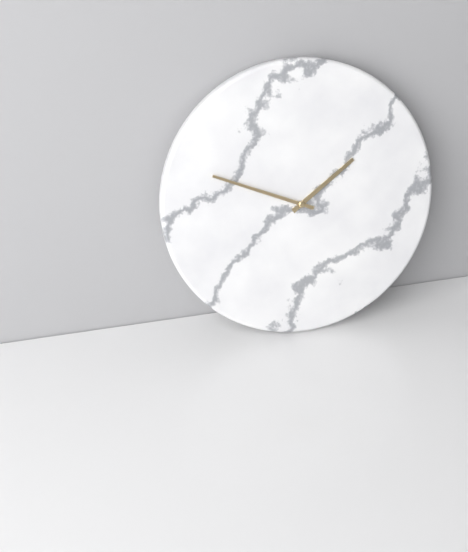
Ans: {"hour": 1, "minute": 49}
